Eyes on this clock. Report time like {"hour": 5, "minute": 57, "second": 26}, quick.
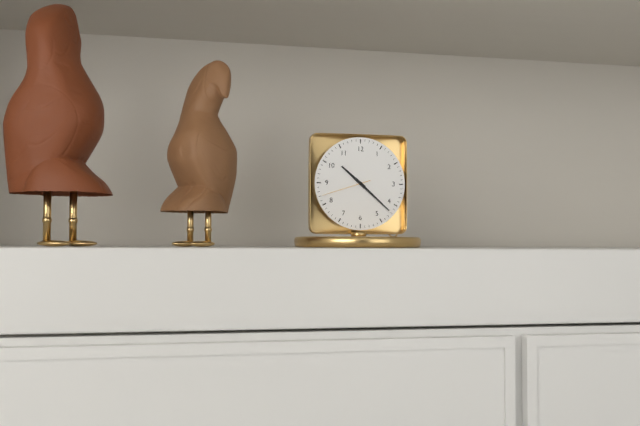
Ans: {"hour": 10, "minute": 22, "second": 42}
